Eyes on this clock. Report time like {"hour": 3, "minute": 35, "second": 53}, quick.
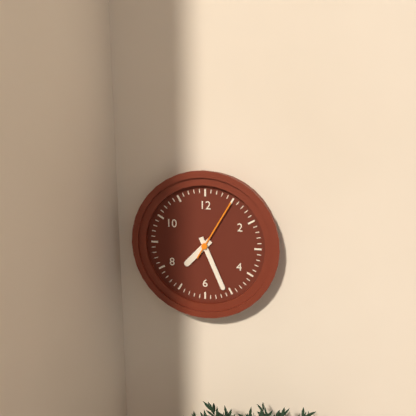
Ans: {"hour": 7, "minute": 26, "second": 5}
